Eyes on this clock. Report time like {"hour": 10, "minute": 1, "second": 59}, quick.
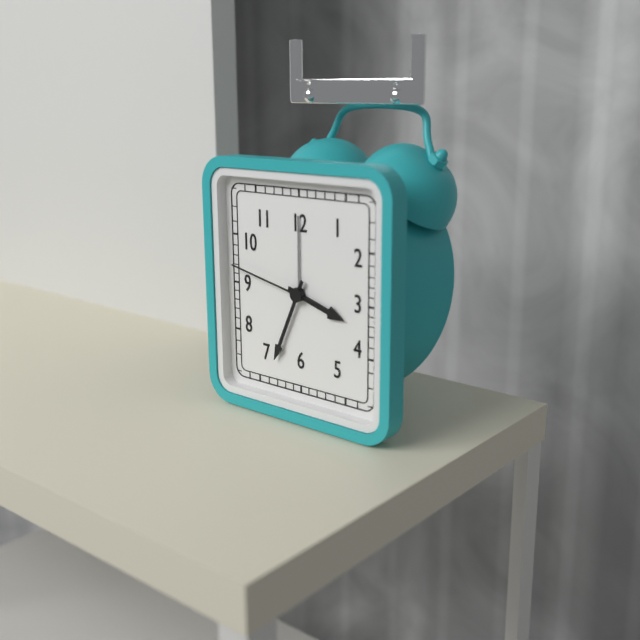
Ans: {"hour": 3, "minute": 34, "second": 47}
